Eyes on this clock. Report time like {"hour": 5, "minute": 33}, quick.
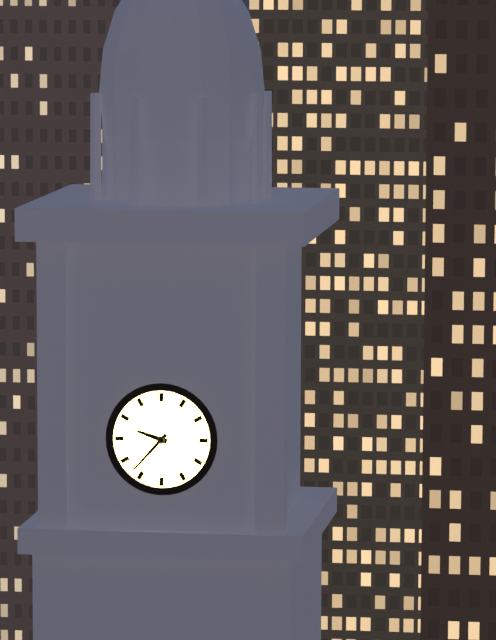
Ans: {"hour": 9, "minute": 37}
